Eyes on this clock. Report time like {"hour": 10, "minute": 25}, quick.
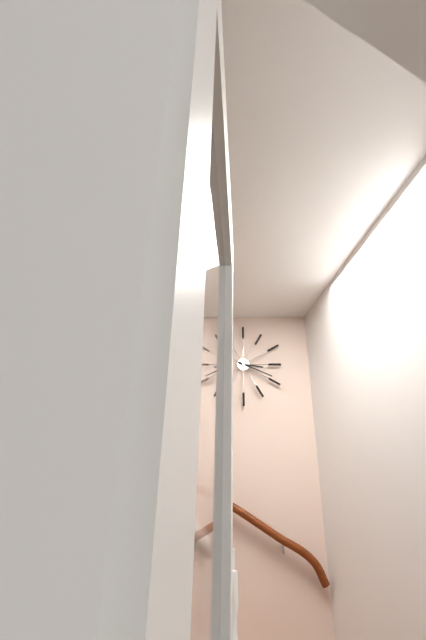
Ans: {"hour": 3, "minute": 19}
